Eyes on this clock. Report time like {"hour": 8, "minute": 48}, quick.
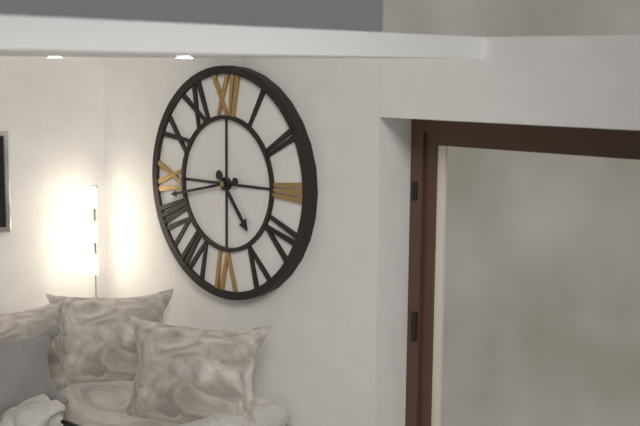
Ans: {"hour": 4, "minute": 43}
